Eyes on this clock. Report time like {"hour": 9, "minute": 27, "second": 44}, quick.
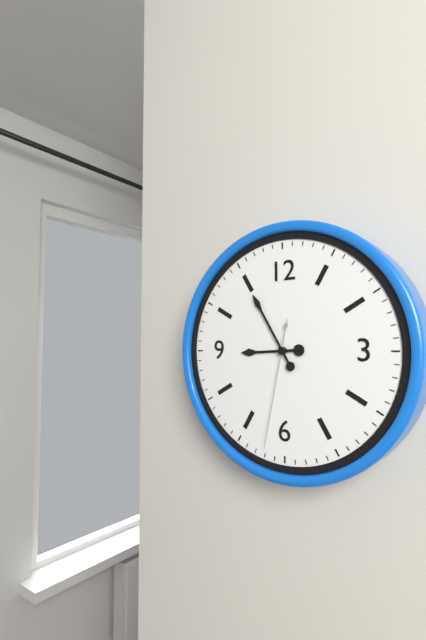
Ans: {"hour": 8, "minute": 55, "second": 32}
